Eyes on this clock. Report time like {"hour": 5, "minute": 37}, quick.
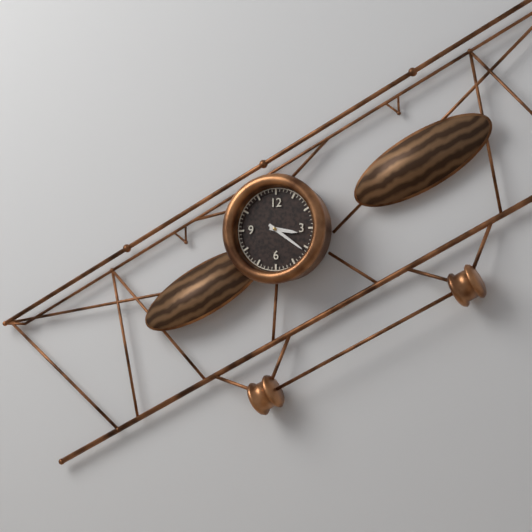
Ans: {"hour": 3, "minute": 21}
